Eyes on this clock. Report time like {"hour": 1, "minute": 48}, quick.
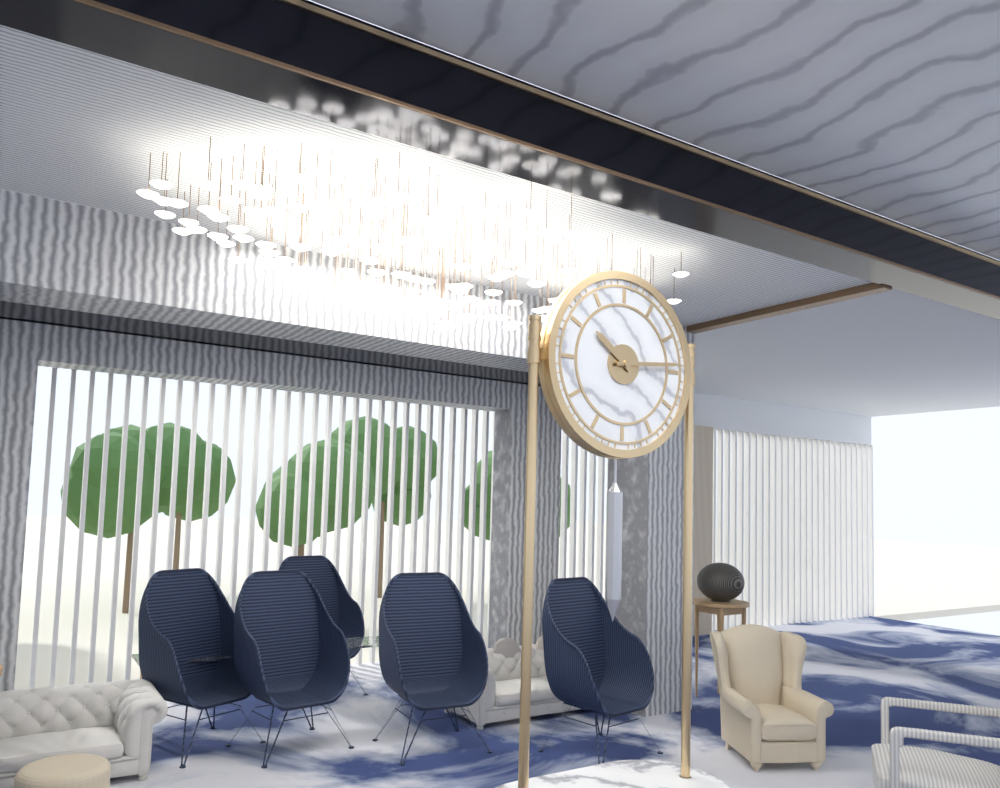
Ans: {"hour": 10, "minute": 14}
